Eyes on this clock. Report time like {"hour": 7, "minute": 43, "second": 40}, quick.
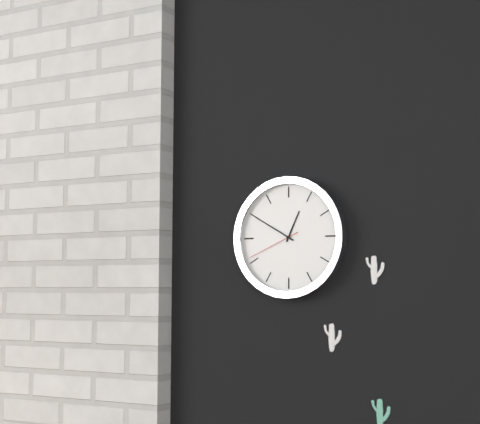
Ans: {"hour": 12, "minute": 50, "second": 41}
